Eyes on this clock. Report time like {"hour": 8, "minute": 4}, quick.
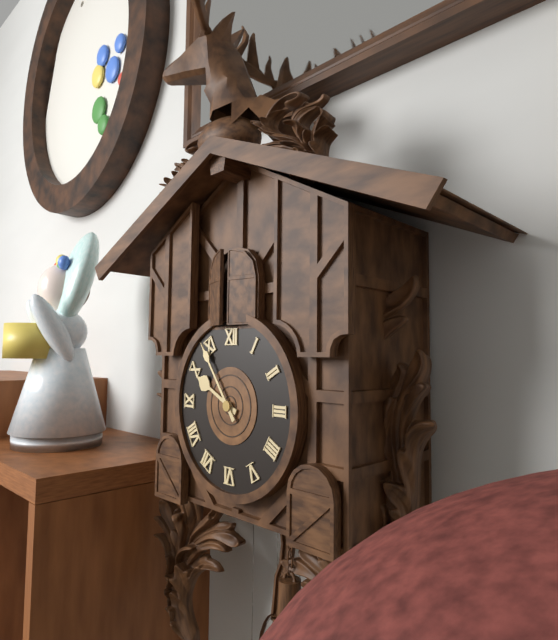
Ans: {"hour": 9, "minute": 54}
